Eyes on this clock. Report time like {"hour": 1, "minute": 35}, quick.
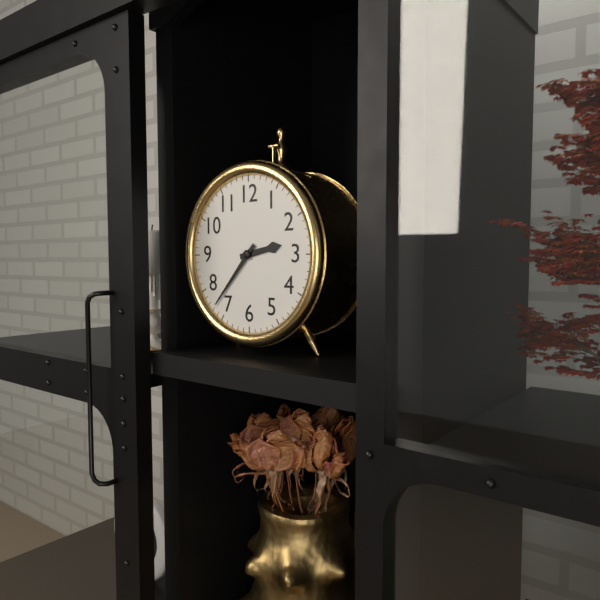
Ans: {"hour": 2, "minute": 37}
